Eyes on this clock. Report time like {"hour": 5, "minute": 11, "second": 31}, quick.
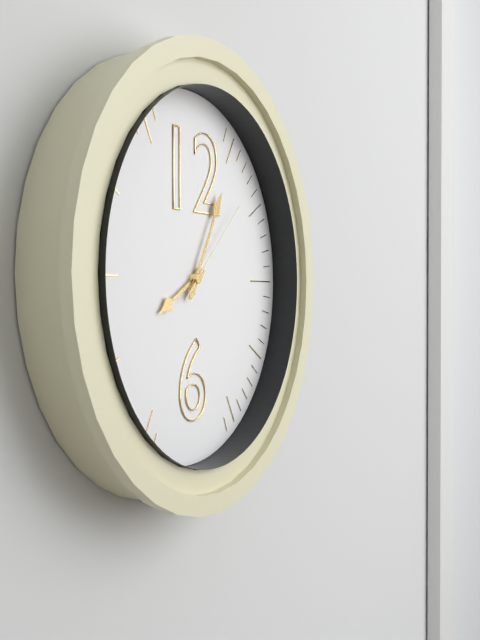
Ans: {"hour": 8, "minute": 5, "second": 8}
